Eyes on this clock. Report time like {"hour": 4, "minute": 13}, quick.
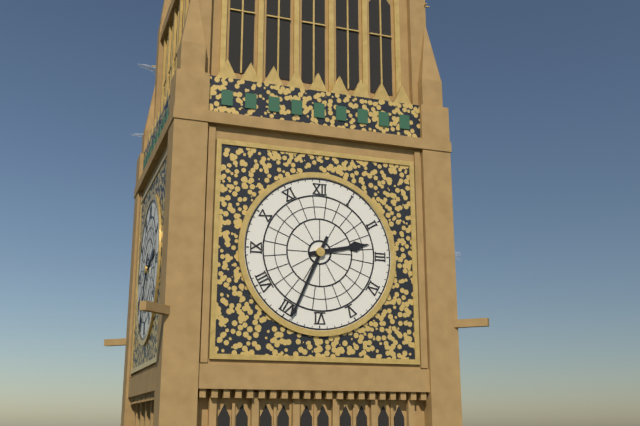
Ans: {"hour": 2, "minute": 34}
